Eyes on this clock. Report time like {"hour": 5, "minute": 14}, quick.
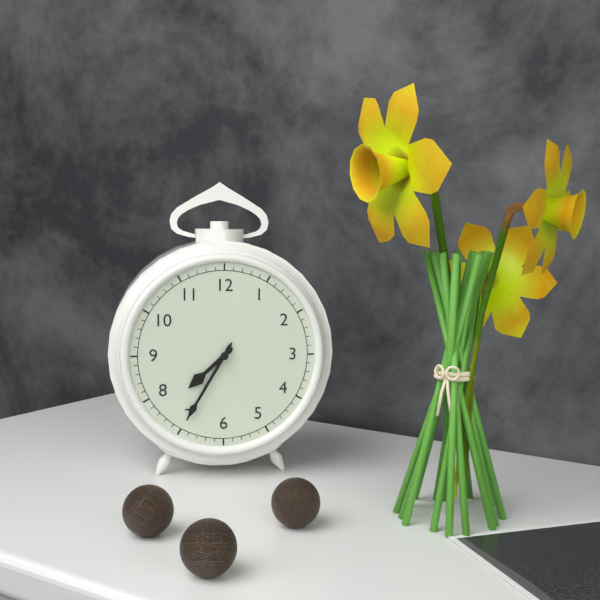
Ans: {"hour": 7, "minute": 35}
